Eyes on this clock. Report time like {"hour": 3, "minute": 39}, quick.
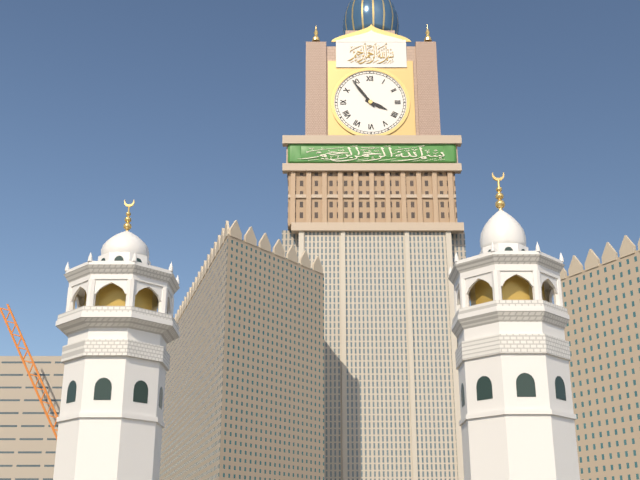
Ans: {"hour": 3, "minute": 54}
